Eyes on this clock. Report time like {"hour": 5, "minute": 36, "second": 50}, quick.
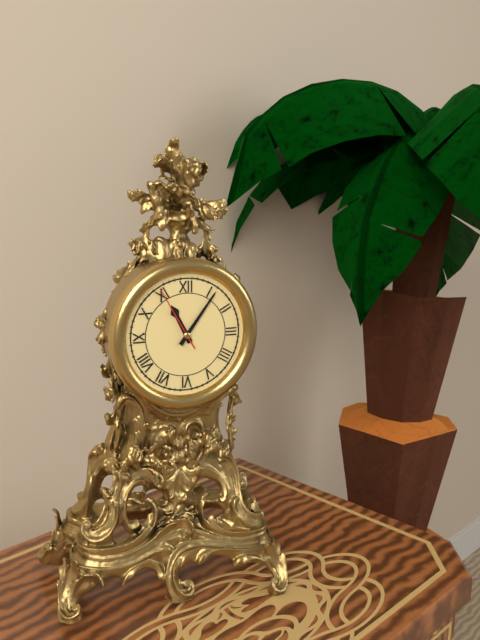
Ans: {"hour": 11, "minute": 6, "second": 55}
